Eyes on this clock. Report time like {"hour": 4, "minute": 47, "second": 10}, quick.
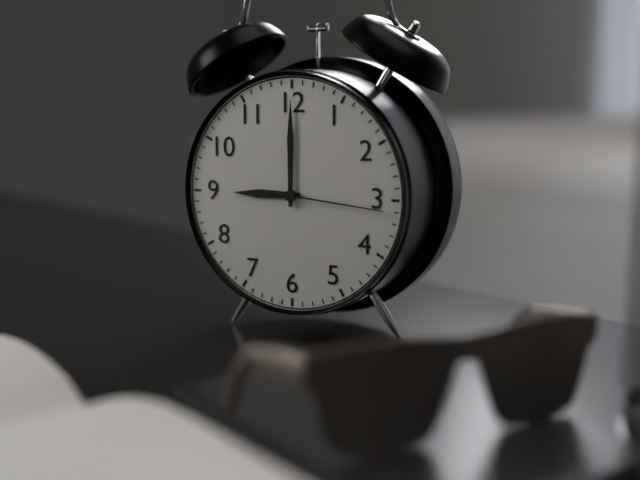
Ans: {"hour": 9, "minute": 0, "second": 16}
